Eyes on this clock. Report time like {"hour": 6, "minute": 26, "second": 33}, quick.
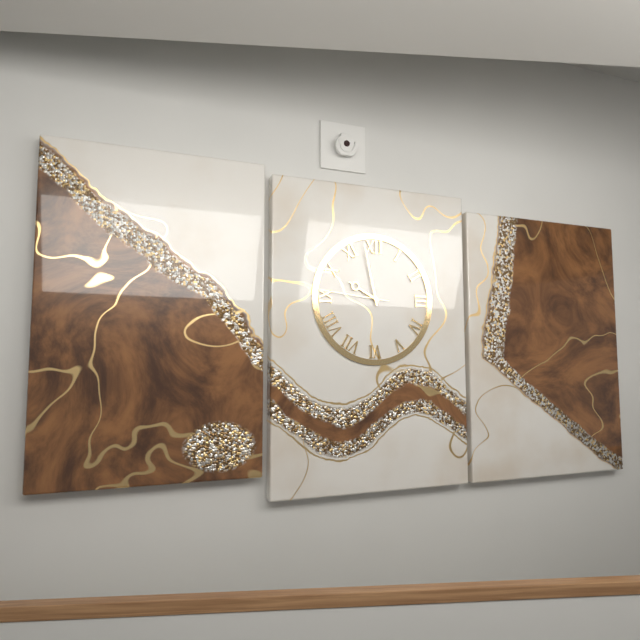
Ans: {"hour": 9, "minute": 58, "second": 46}
